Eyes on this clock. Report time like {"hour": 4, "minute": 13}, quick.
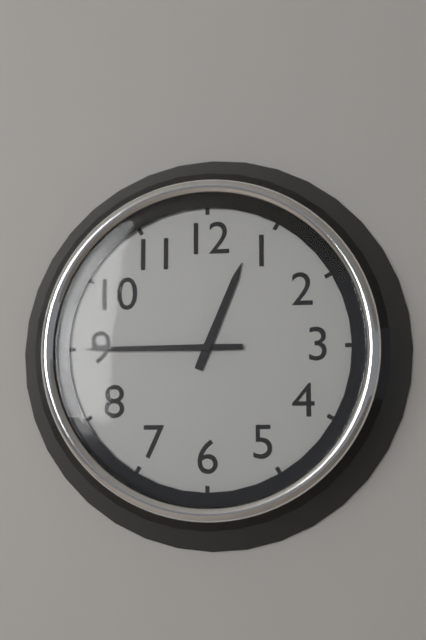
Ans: {"hour": 12, "minute": 45}
